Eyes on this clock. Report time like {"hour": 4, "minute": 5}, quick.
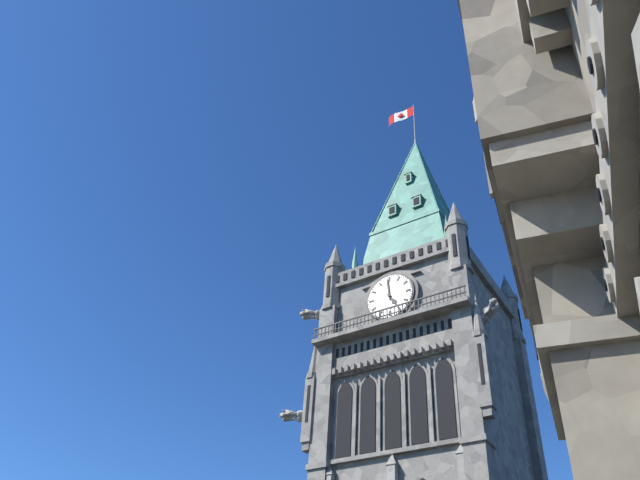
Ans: {"hour": 4, "minute": 59}
